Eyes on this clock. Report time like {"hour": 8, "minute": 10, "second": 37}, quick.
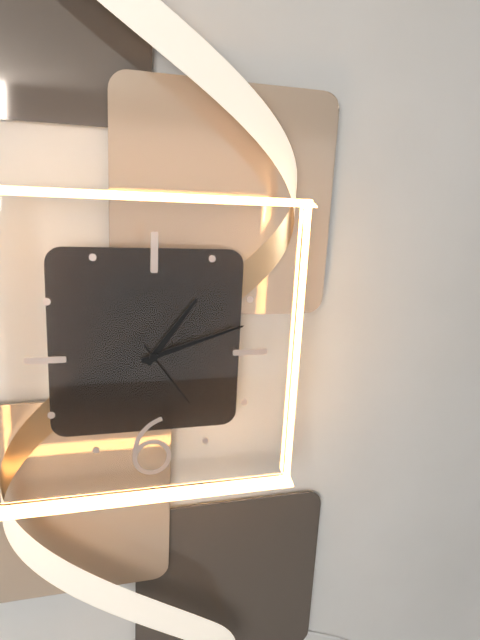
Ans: {"hour": 1, "minute": 12, "second": 24}
